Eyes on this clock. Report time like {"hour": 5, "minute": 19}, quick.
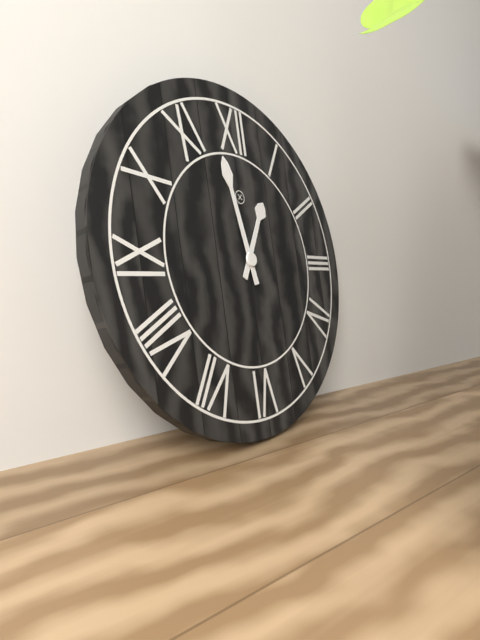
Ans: {"hour": 12, "minute": 58}
